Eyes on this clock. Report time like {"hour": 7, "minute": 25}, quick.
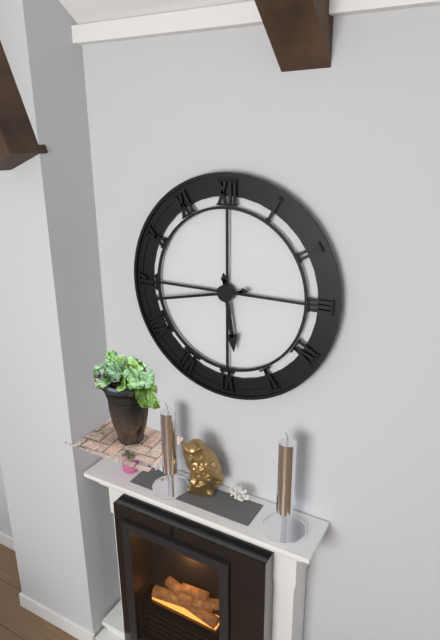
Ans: {"hour": 5, "minute": 43}
